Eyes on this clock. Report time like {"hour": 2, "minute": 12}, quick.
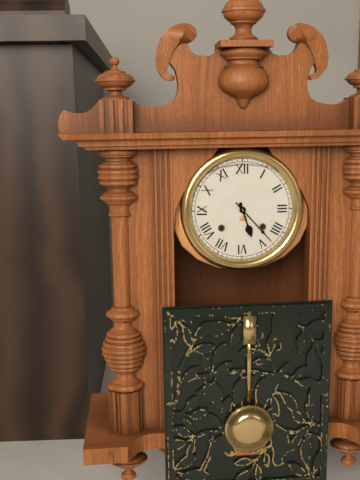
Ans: {"hour": 5, "minute": 23}
